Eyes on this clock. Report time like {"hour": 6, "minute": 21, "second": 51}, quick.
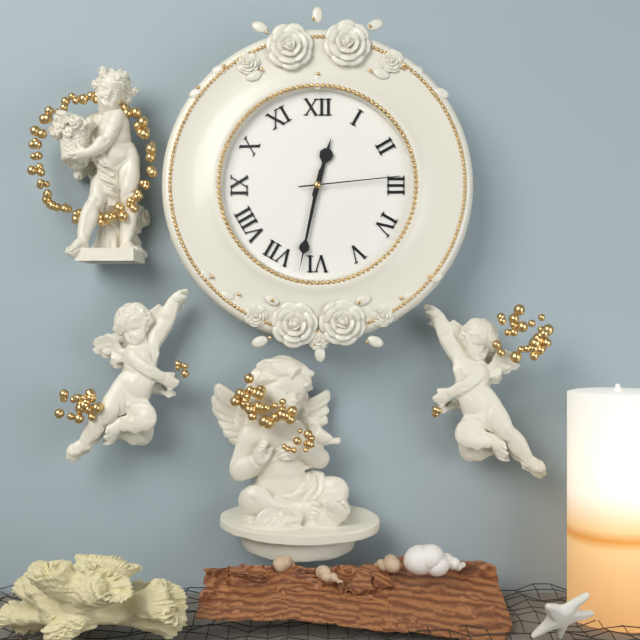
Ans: {"hour": 12, "minute": 32, "second": 14}
